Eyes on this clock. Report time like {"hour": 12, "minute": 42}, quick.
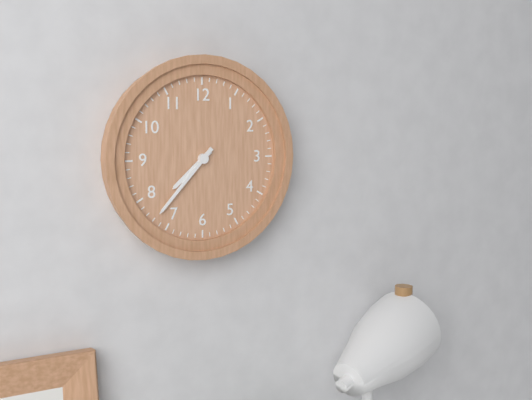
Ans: {"hour": 7, "minute": 37}
